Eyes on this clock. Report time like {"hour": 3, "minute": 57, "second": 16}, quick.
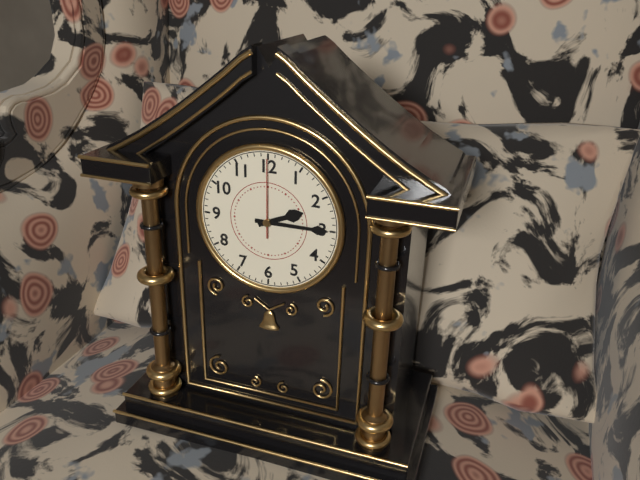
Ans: {"hour": 2, "minute": 15, "second": 0}
